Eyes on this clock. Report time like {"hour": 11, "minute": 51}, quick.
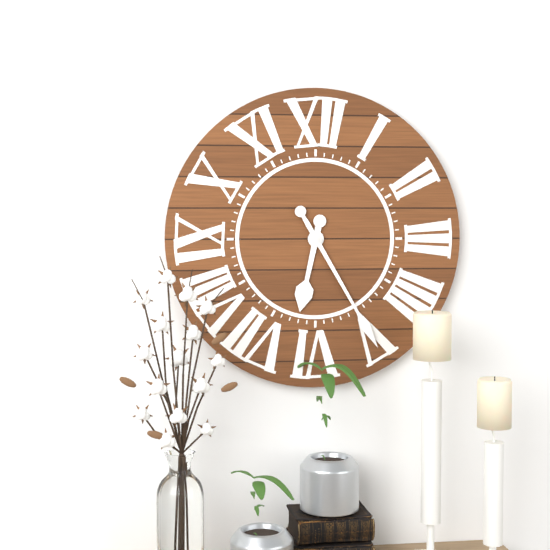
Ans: {"hour": 6, "minute": 25}
